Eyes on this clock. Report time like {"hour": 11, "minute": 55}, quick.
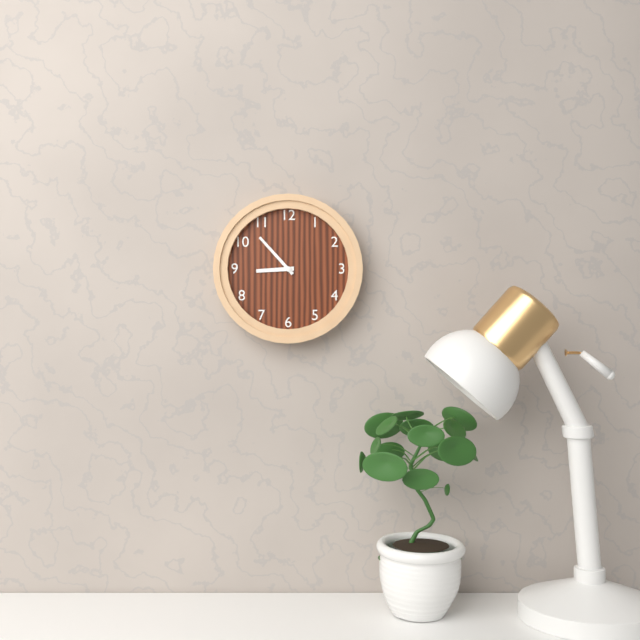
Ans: {"hour": 8, "minute": 53}
